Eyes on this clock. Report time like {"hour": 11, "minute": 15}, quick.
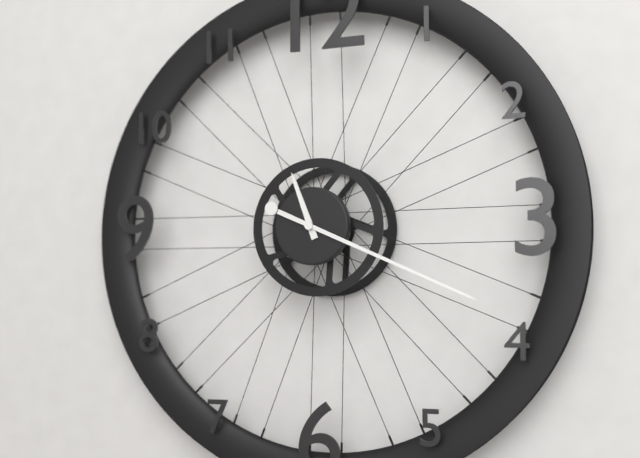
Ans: {"hour": 11, "minute": 19}
